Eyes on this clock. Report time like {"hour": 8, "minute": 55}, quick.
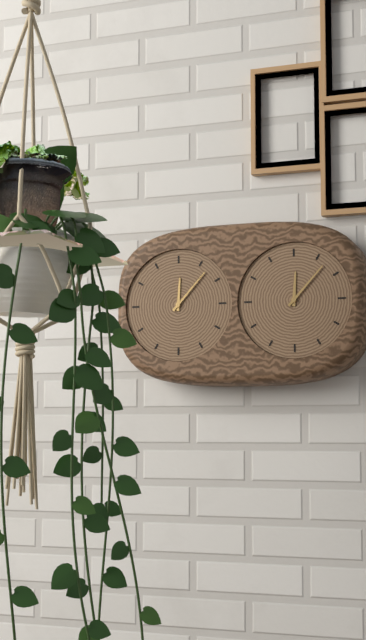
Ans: {"hour": 12, "minute": 7}
